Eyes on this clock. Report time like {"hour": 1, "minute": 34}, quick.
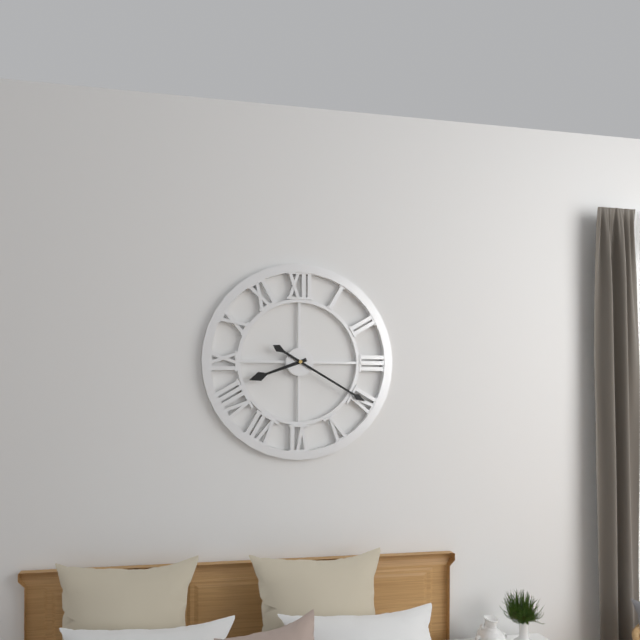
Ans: {"hour": 8, "minute": 20}
